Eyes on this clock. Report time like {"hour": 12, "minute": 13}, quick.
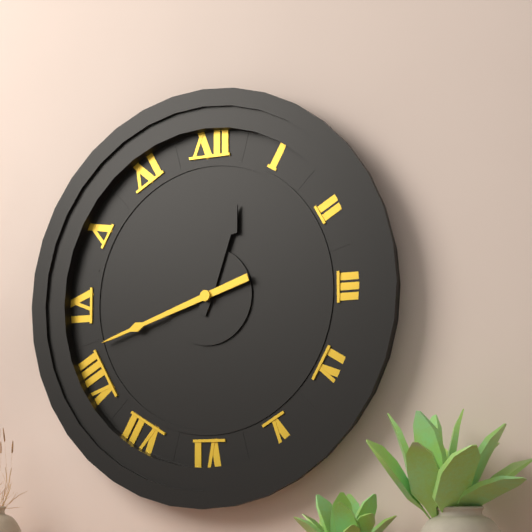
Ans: {"hour": 12, "minute": 42}
